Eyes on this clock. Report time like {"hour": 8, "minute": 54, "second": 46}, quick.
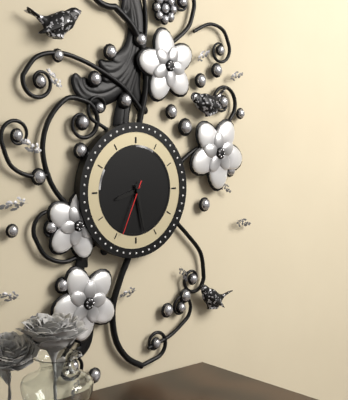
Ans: {"hour": 8, "minute": 28, "second": 34}
